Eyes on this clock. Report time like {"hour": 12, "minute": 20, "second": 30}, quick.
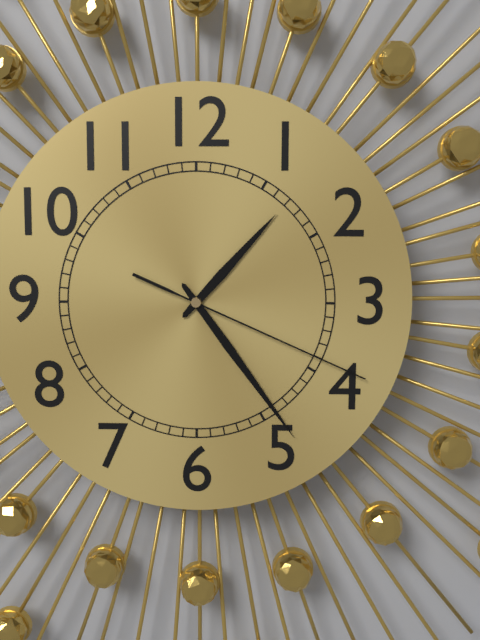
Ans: {"hour": 1, "minute": 24, "second": 19}
